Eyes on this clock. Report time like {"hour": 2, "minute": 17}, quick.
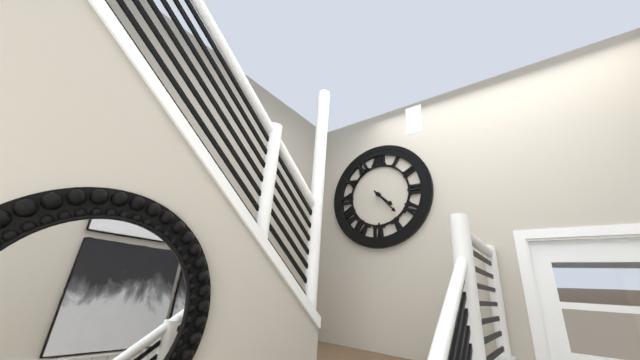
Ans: {"hour": 4, "minute": 23}
